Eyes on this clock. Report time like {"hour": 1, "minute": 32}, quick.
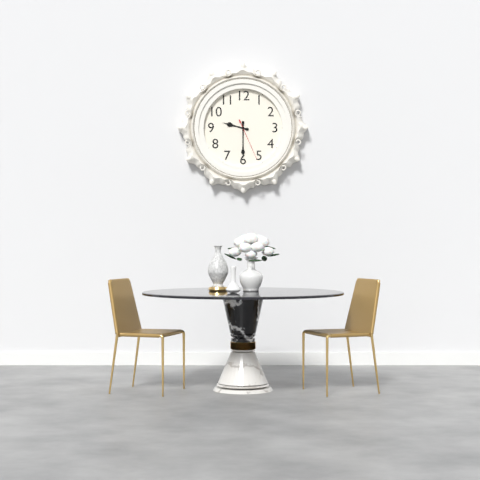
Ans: {"hour": 9, "minute": 30}
